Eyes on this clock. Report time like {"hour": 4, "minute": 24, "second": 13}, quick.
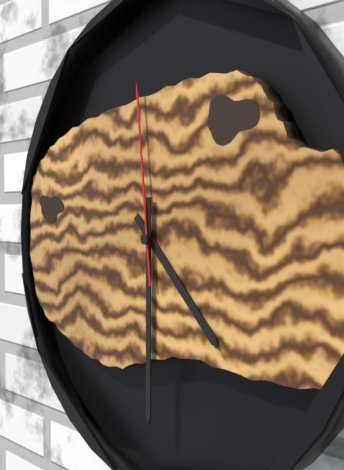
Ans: {"hour": 4, "minute": 30, "second": 59}
